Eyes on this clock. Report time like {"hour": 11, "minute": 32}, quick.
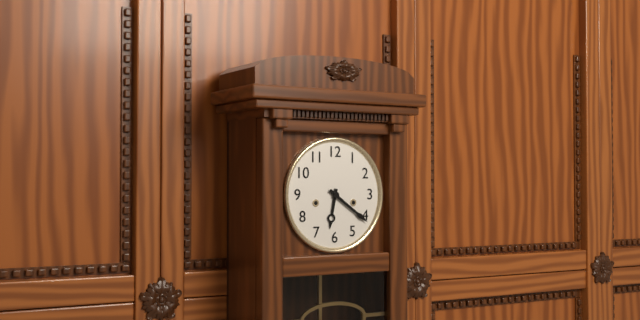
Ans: {"hour": 6, "minute": 21}
